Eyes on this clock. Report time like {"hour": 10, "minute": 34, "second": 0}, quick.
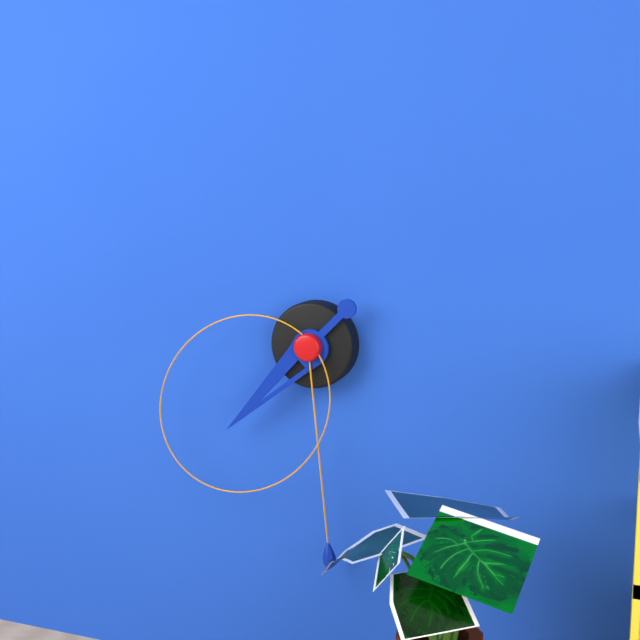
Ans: {"hour": 7, "minute": 29, "second": 38}
